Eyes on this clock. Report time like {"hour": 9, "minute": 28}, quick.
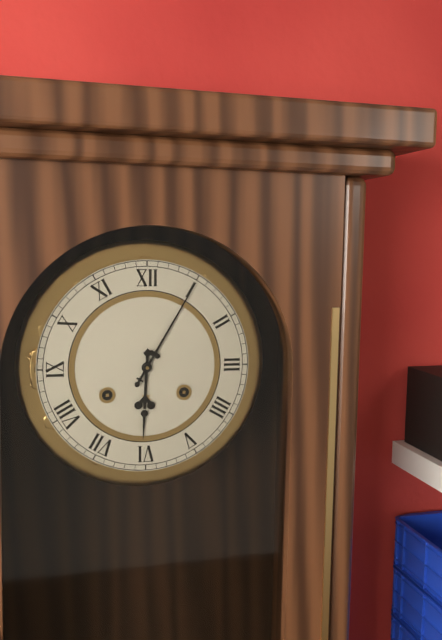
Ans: {"hour": 6, "minute": 5}
